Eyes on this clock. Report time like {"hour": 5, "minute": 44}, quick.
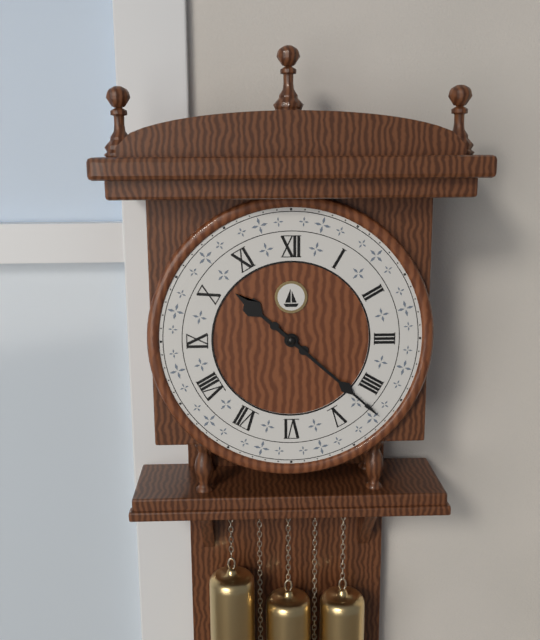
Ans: {"hour": 10, "minute": 22}
